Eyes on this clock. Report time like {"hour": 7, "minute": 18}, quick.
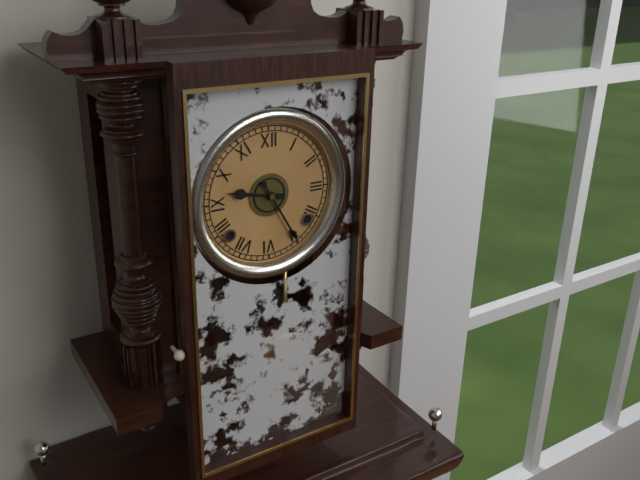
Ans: {"hour": 9, "minute": 25}
